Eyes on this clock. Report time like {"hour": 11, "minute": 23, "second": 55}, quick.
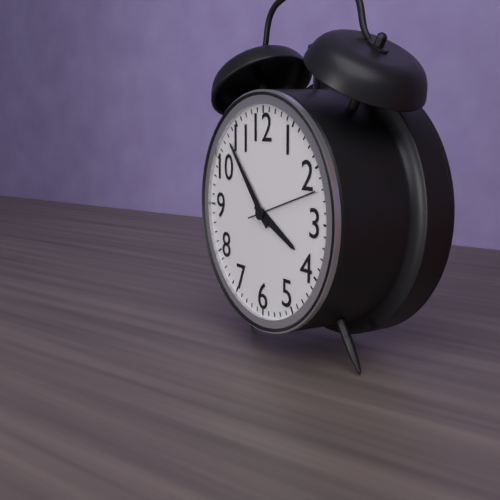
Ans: {"hour": 3, "minute": 53, "second": 12}
